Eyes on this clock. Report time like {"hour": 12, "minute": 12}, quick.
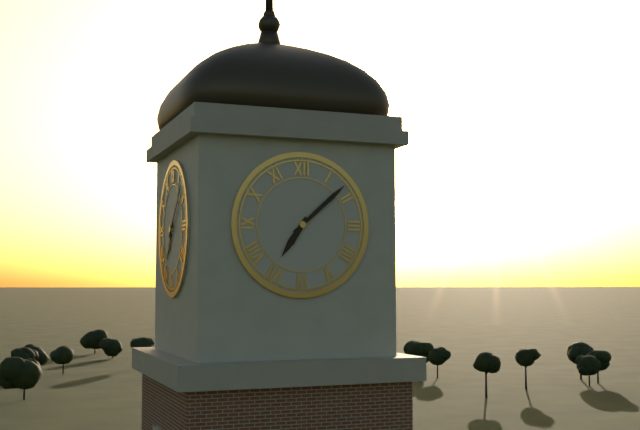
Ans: {"hour": 7, "minute": 8}
